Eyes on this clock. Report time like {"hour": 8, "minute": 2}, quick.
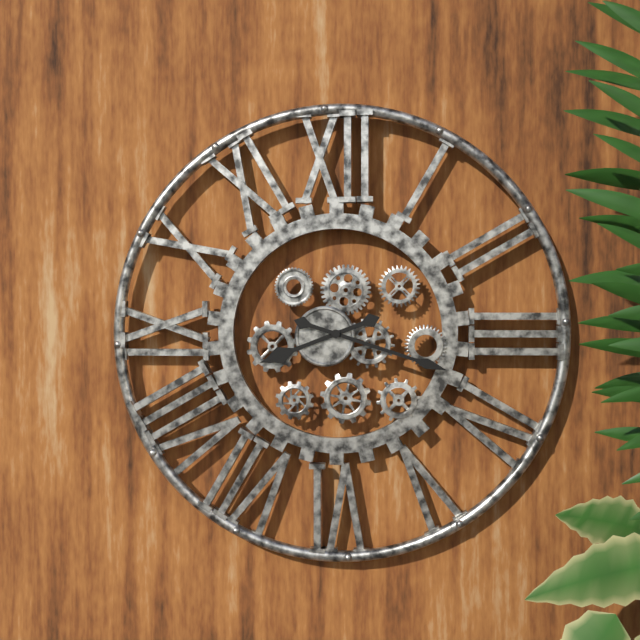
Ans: {"hour": 8, "minute": 18}
